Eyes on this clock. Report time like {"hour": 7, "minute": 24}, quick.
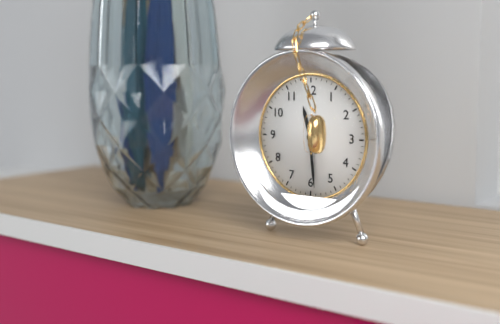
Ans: {"hour": 11, "minute": 29}
